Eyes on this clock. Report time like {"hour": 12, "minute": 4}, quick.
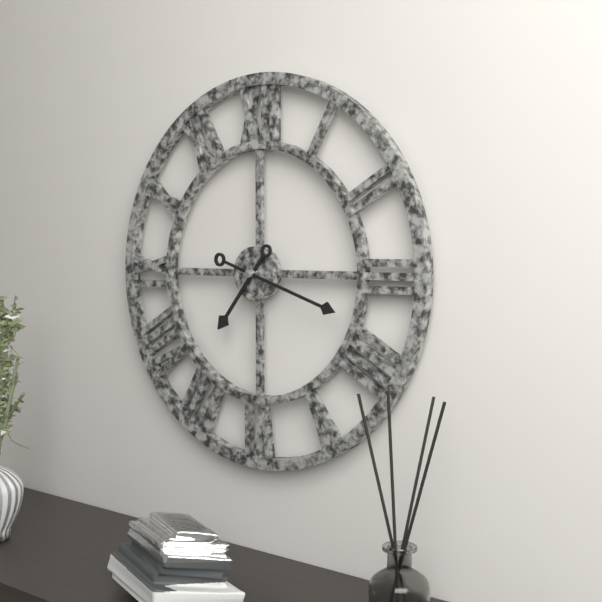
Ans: {"hour": 7, "minute": 18}
